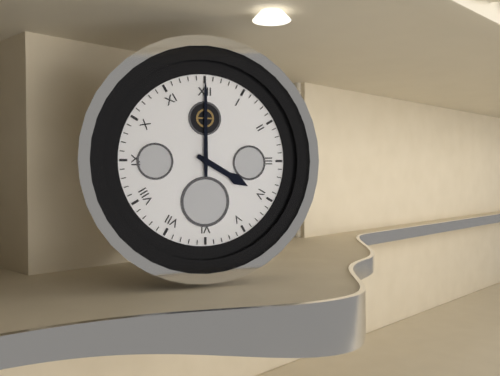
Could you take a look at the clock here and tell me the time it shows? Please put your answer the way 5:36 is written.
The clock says 4:00
